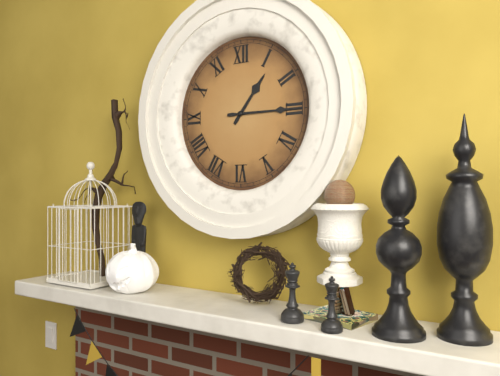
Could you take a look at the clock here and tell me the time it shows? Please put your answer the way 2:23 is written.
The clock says 1:15
